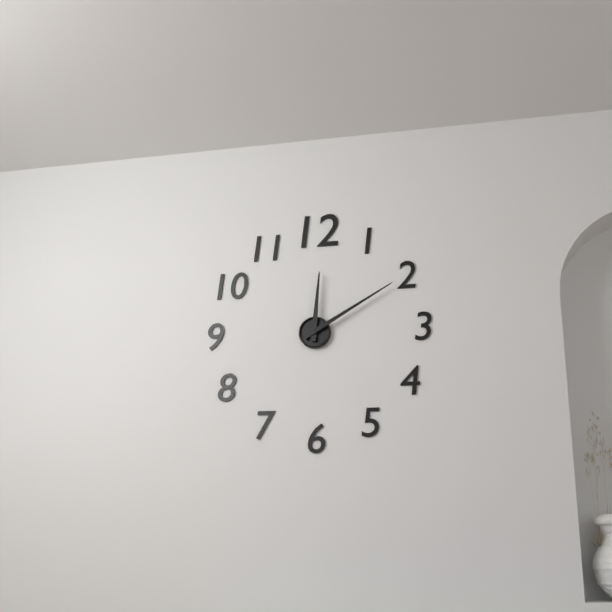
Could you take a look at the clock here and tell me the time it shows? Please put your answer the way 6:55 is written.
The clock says 12:10
